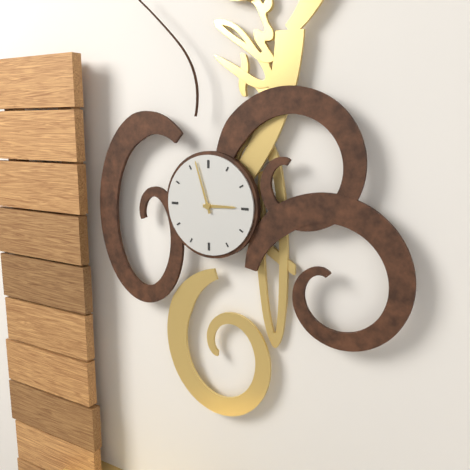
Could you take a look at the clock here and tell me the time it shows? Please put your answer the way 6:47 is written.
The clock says 2:57
